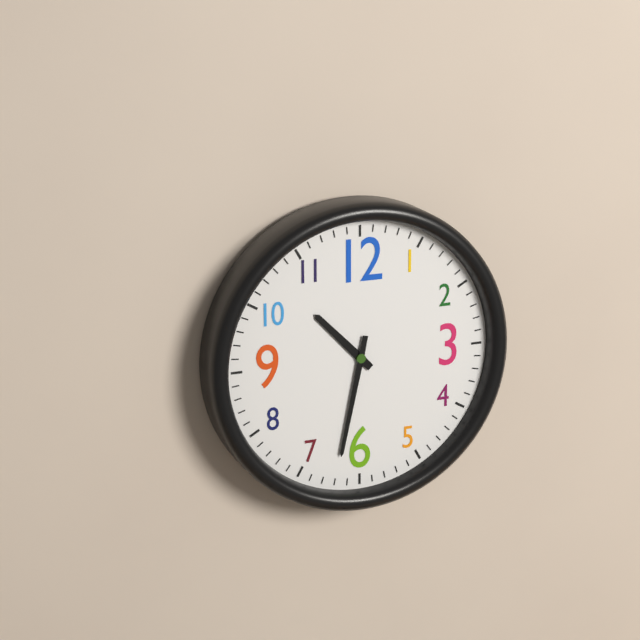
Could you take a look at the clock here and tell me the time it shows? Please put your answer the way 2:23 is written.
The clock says 10:32
